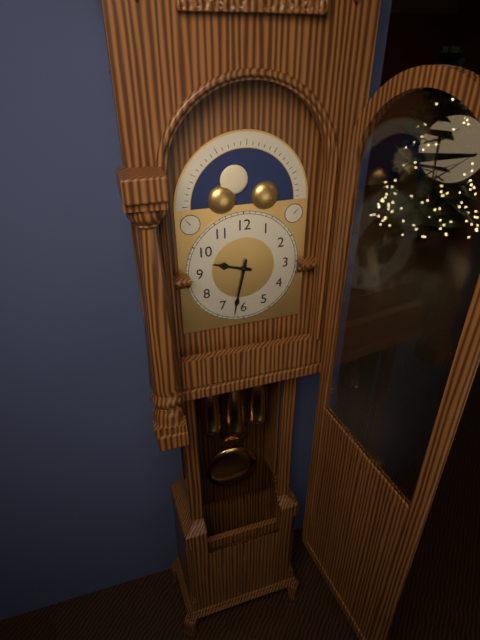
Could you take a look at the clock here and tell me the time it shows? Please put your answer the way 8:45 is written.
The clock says 9:32
